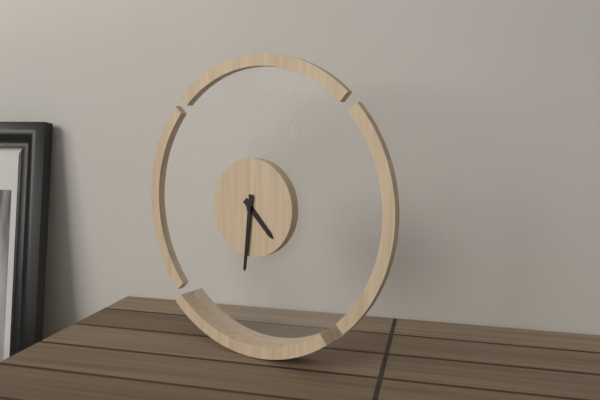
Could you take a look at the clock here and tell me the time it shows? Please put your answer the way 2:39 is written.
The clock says 4:31
